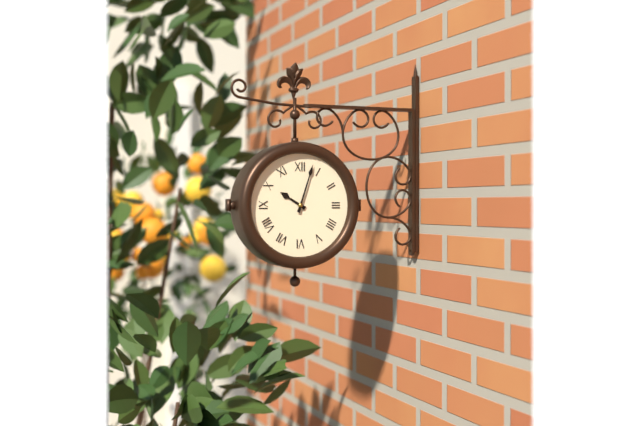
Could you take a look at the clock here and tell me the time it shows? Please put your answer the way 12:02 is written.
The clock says 10:03
